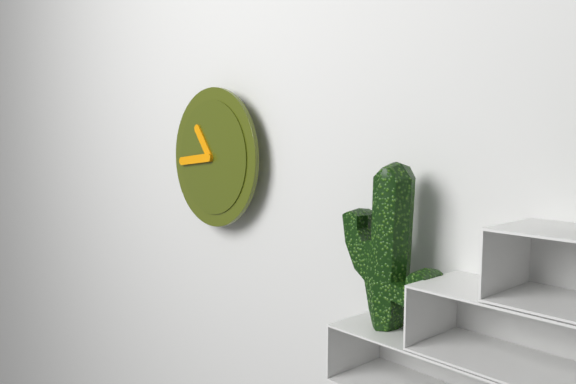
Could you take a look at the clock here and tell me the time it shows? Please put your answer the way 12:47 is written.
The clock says 10:44
